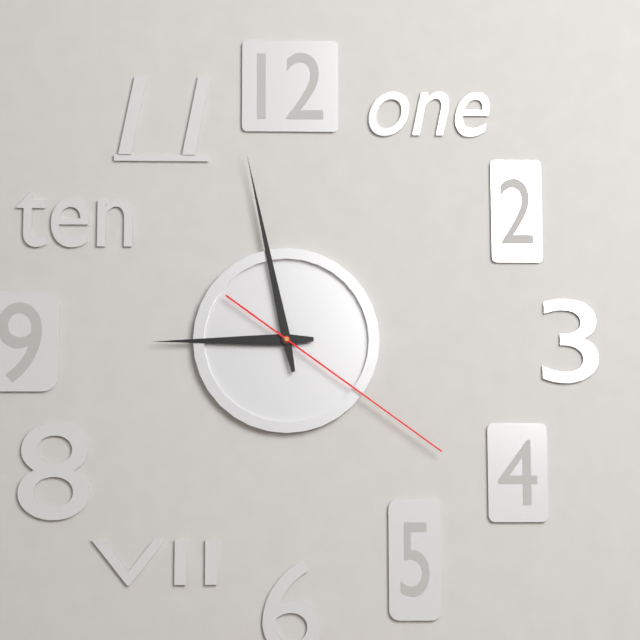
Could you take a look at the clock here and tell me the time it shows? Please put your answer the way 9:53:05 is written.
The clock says 8:58:21
